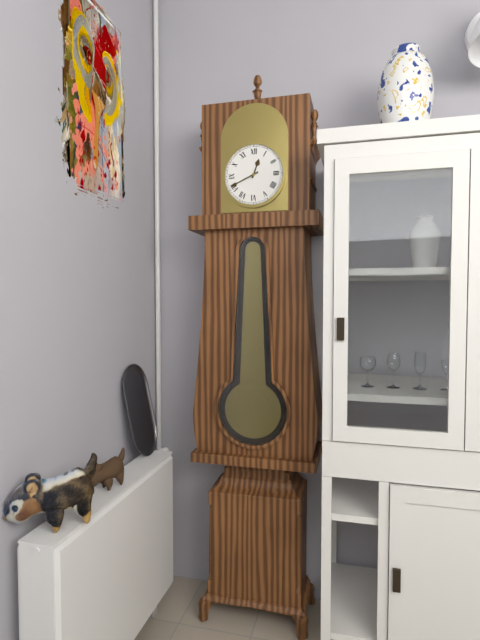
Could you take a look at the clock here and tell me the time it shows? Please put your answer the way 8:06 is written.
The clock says 12:41
